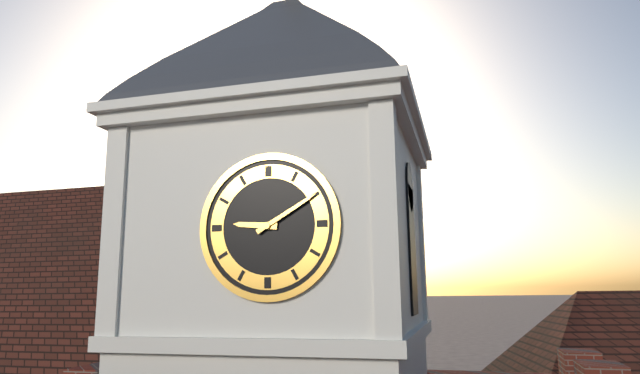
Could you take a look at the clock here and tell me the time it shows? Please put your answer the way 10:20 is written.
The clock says 9:10
